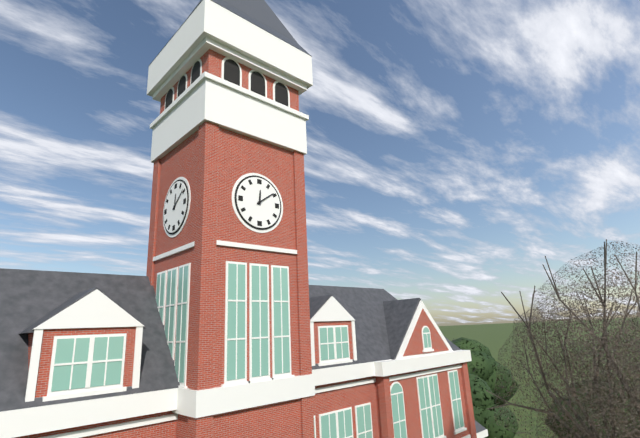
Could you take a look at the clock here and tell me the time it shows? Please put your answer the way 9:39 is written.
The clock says 12:09
